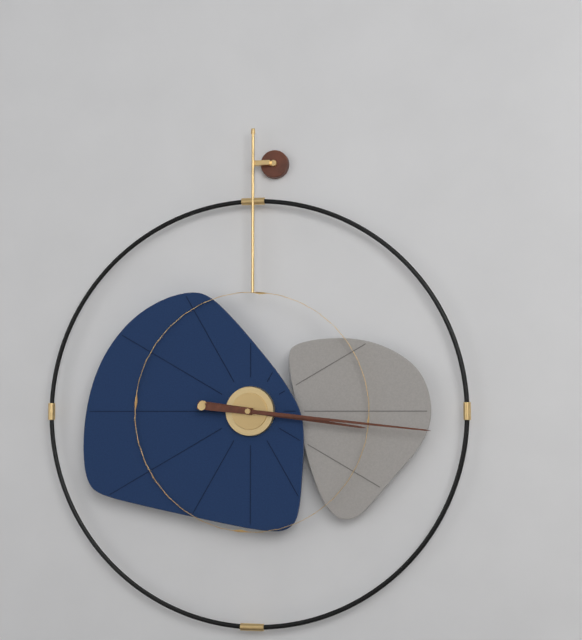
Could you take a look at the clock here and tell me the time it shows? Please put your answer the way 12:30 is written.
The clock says 3:16
